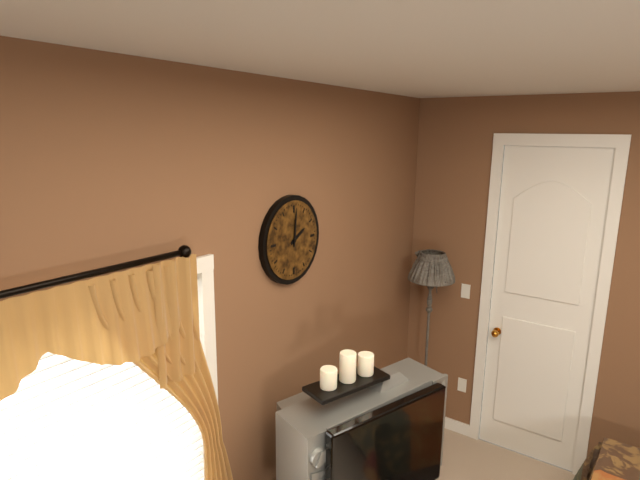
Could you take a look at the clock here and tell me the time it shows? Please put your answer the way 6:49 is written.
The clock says 2:01
